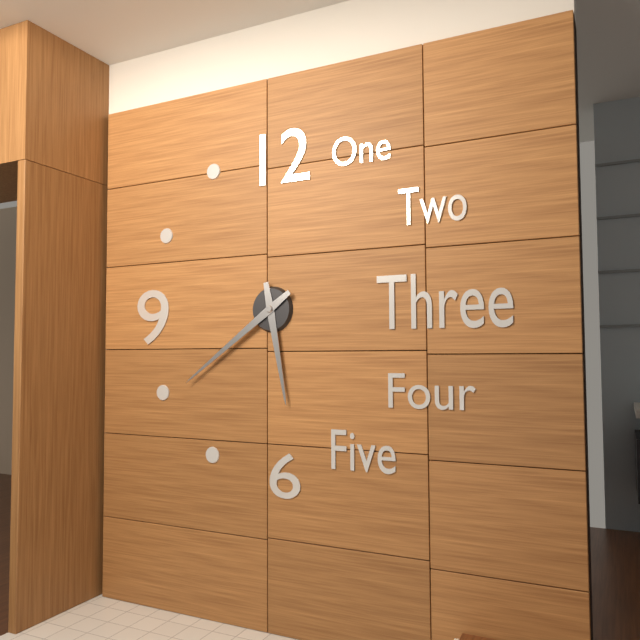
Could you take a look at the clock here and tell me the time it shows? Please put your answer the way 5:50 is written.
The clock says 5:39
